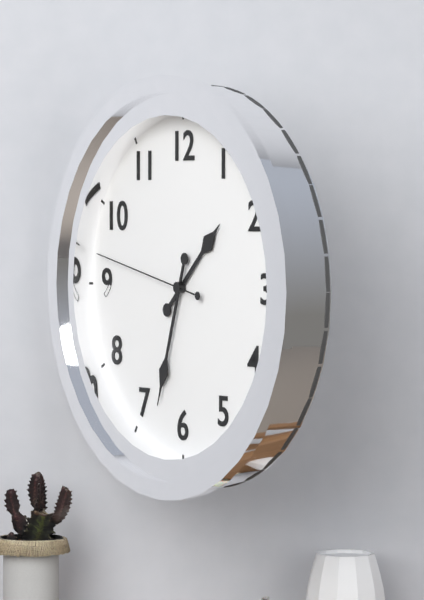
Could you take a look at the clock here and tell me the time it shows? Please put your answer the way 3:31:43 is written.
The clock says 1:33:47
